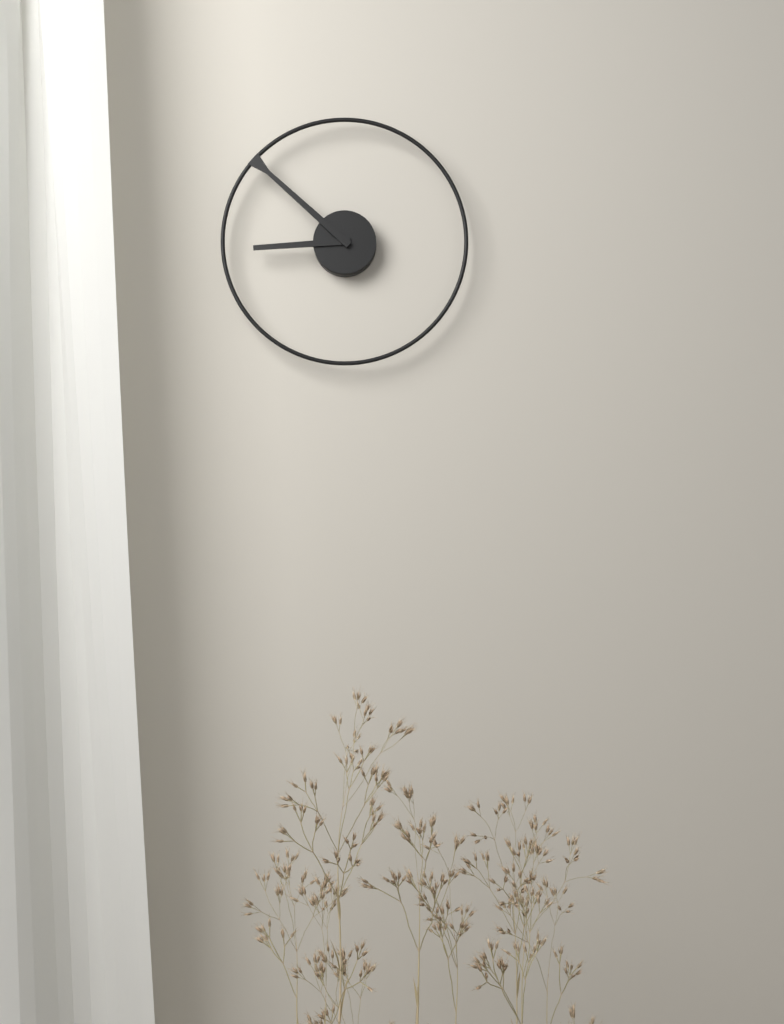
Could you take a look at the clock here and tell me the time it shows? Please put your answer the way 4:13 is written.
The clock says 8:52
